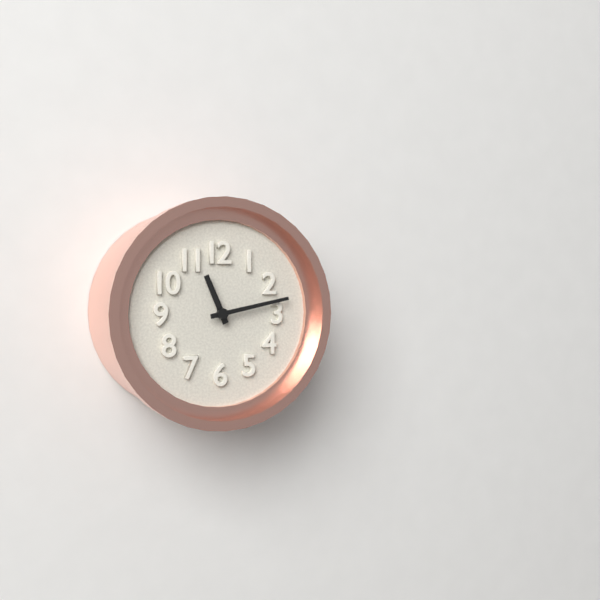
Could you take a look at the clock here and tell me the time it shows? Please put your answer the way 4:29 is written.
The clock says 11:13
